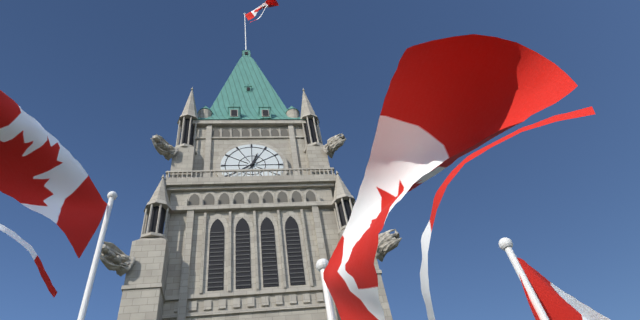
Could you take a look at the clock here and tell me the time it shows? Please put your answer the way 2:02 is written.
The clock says 12:39
